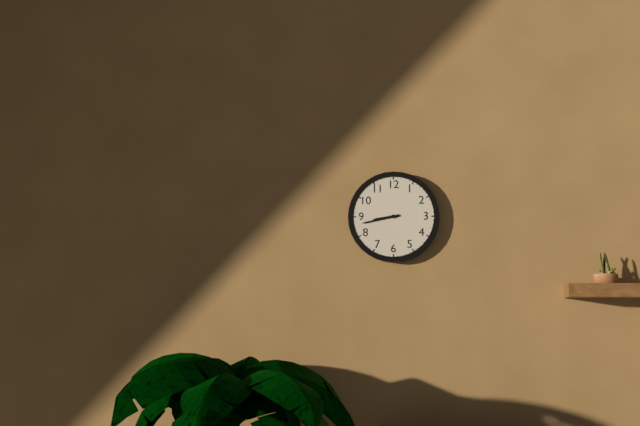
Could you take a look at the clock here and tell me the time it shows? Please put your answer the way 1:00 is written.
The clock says 8:43
